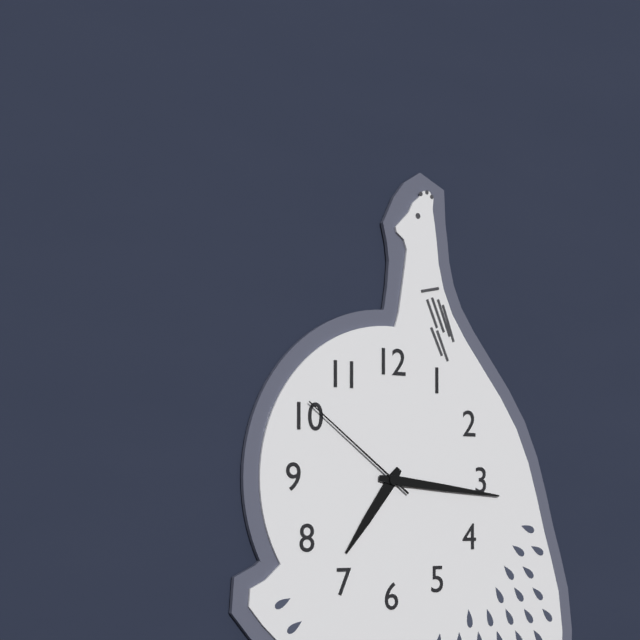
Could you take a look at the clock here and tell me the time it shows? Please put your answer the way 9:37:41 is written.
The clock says 7:16:51
